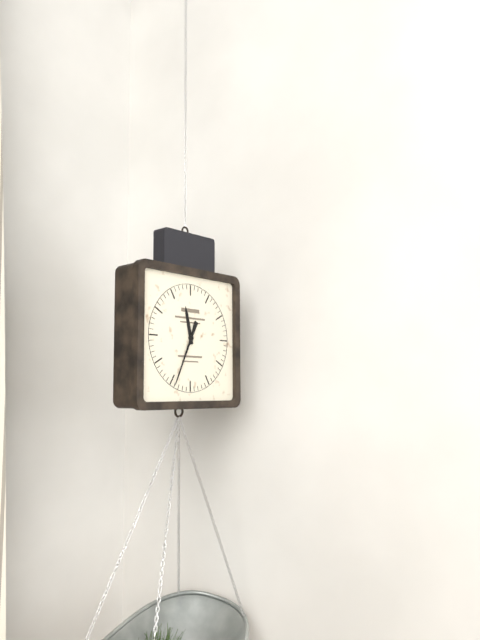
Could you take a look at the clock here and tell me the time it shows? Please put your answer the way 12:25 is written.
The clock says 11:34
